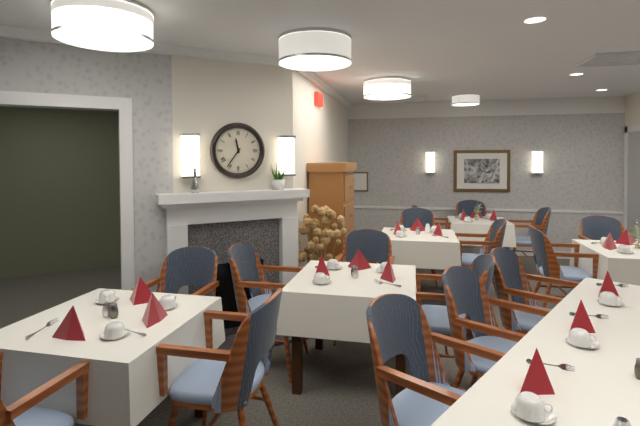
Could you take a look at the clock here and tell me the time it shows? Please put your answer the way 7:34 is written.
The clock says 11:36
